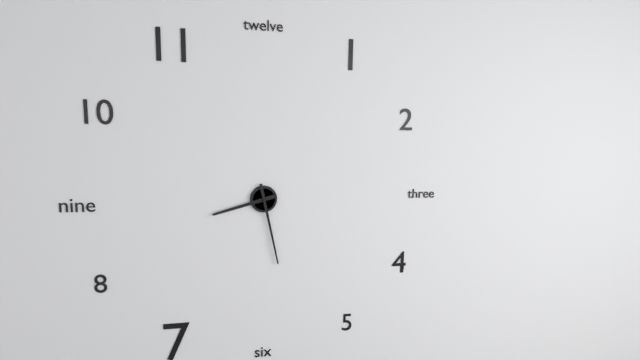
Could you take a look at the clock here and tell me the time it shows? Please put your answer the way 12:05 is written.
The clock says 8:28
